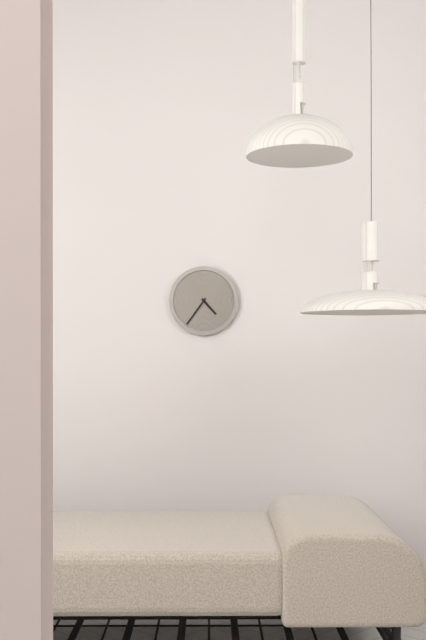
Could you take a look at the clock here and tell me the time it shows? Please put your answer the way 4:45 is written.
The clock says 4:36
